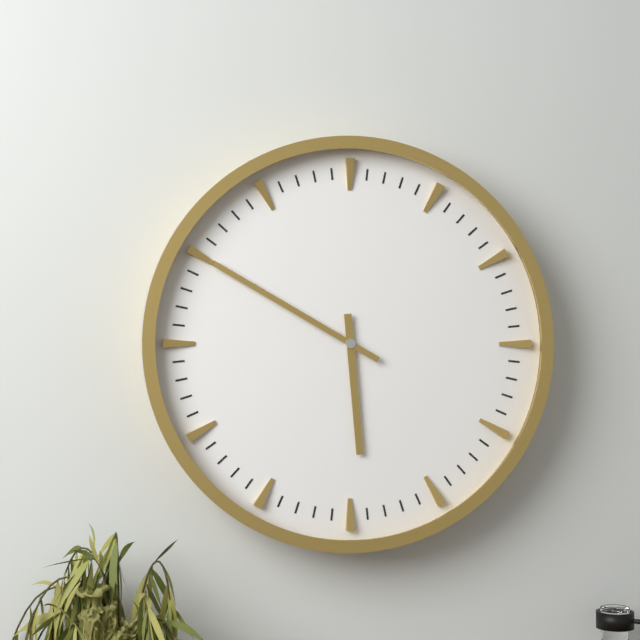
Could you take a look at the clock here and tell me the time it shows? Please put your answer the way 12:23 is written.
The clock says 5:50
